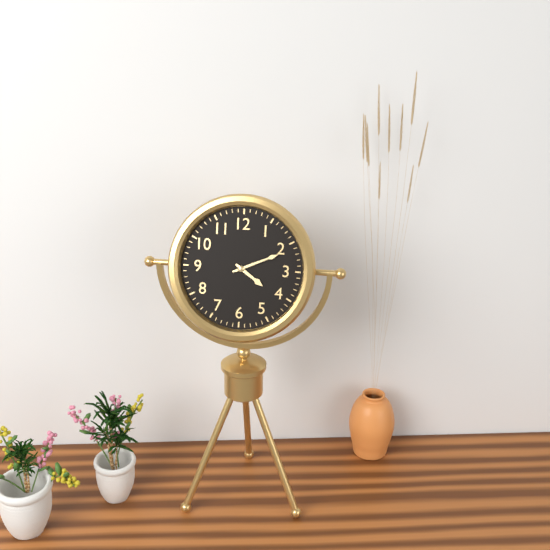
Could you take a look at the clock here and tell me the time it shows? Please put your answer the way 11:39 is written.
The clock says 4:11
